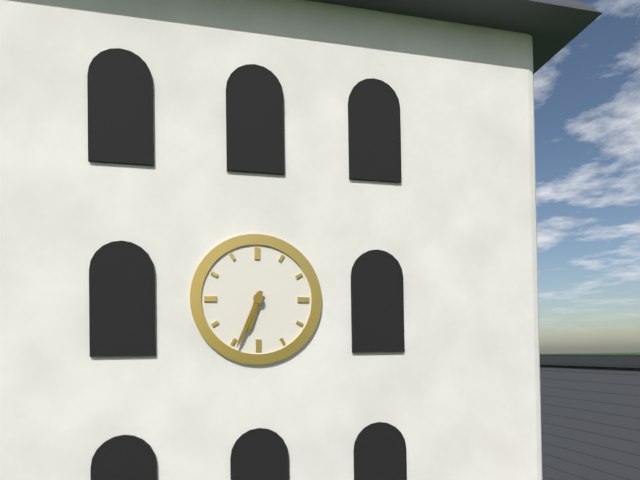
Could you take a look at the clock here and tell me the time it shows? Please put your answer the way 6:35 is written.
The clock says 6:34
